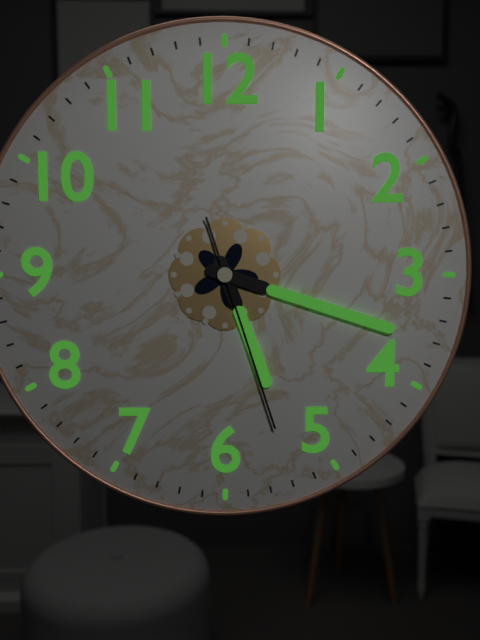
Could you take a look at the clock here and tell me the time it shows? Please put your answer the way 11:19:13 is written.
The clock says 5:18:27
